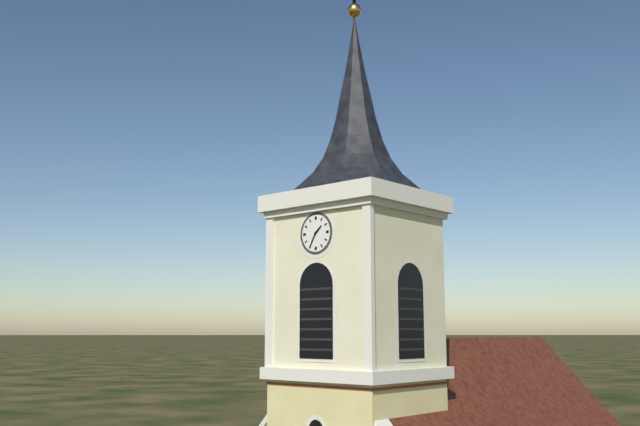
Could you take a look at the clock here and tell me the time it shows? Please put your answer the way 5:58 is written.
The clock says 1:35
